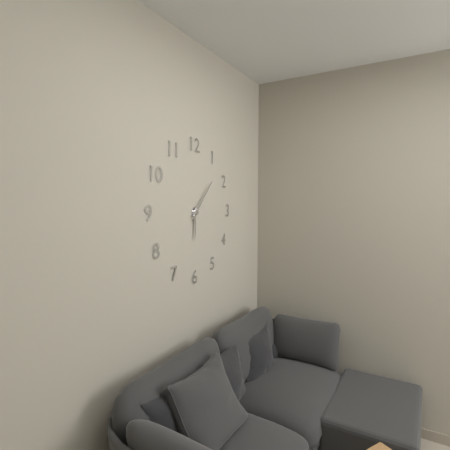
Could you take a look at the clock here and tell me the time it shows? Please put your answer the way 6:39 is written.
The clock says 6:07
